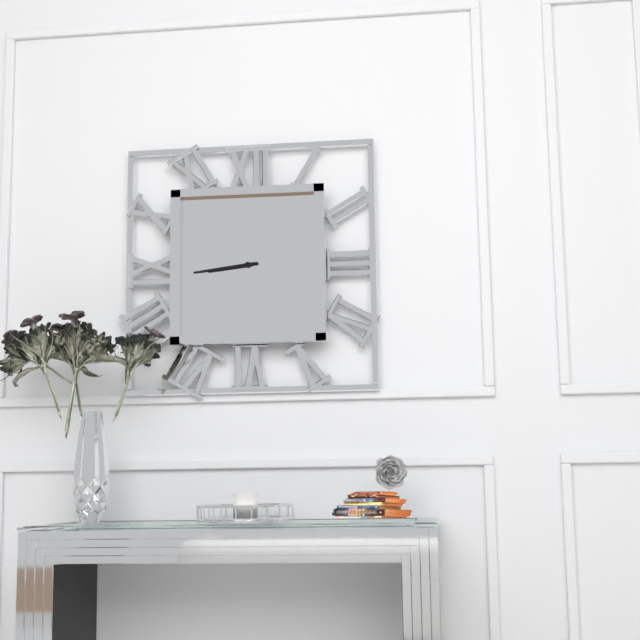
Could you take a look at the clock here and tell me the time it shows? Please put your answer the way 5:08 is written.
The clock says 8:44
